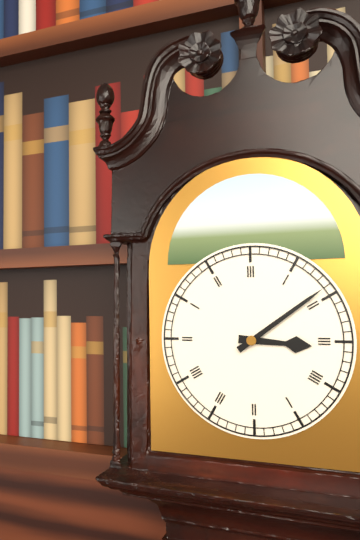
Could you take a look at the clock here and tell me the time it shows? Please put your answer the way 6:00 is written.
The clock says 3:09
